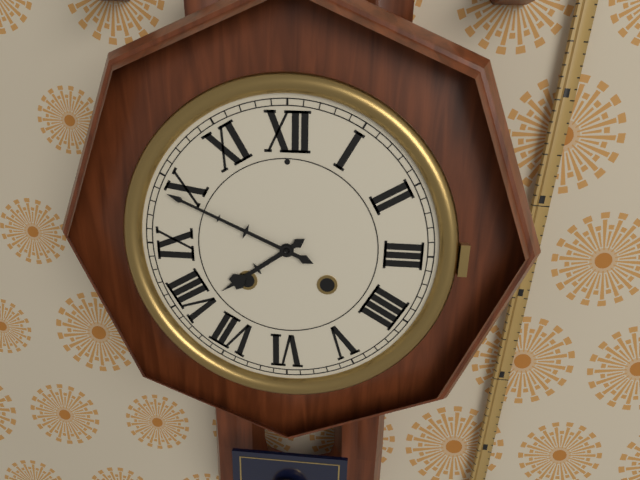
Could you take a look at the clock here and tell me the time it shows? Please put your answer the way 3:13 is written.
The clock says 7:49
